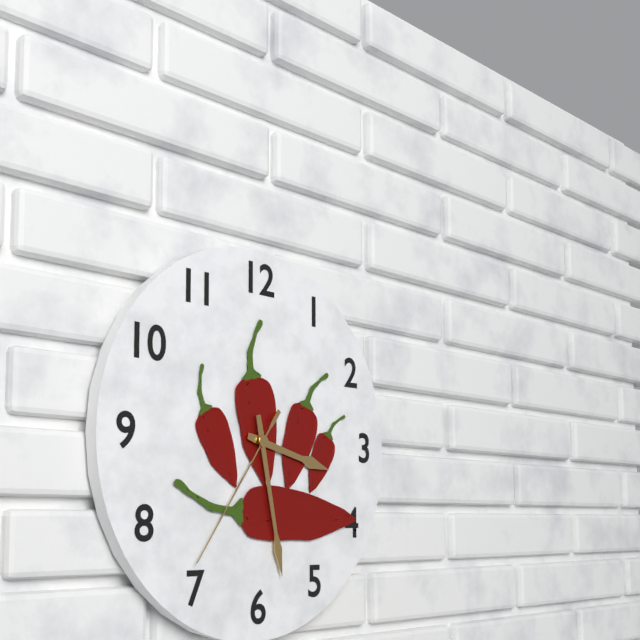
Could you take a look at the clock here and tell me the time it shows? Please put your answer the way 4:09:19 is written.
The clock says 3:28:36
